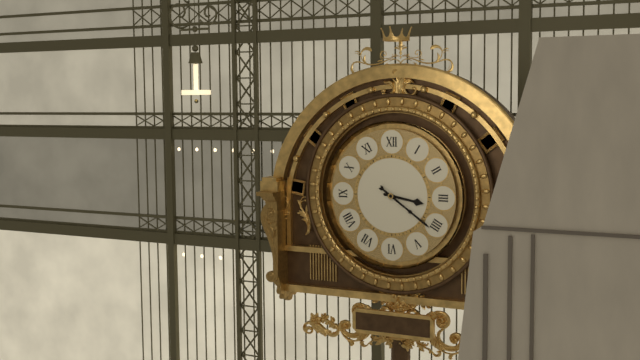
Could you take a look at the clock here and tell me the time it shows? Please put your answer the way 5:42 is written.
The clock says 3:21
